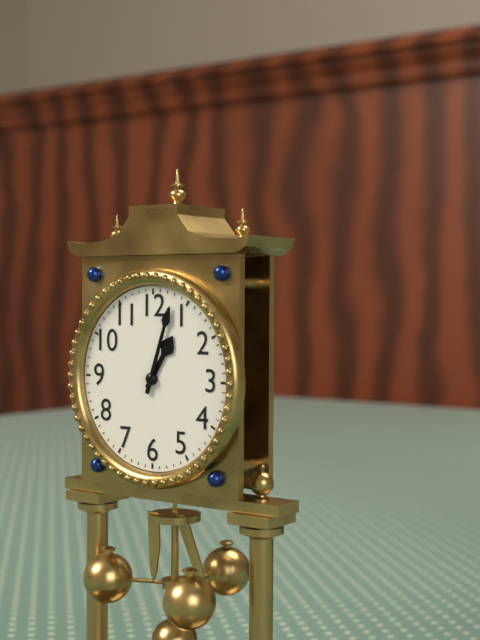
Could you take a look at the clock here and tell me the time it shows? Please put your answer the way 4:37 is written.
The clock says 1:03
